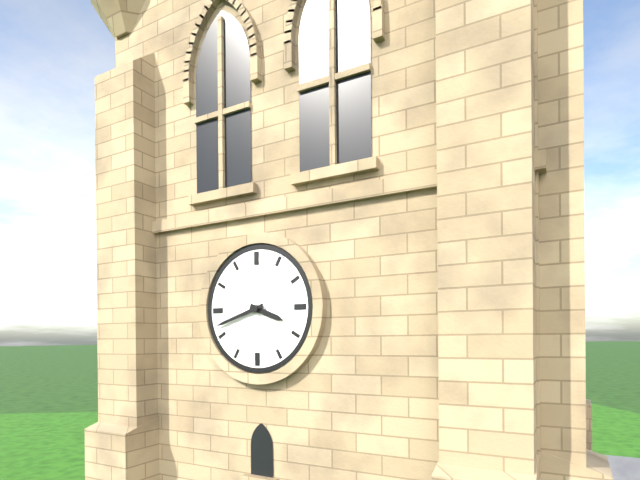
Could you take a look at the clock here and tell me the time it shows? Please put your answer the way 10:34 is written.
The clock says 3:42
